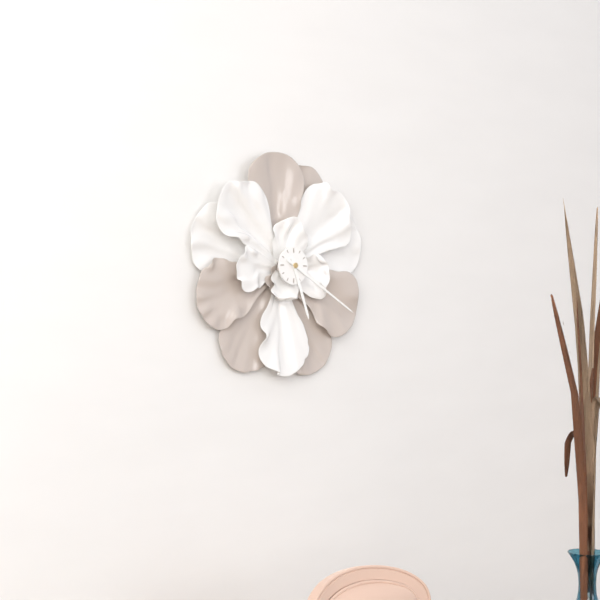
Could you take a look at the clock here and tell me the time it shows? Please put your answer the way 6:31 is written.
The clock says 5:20
